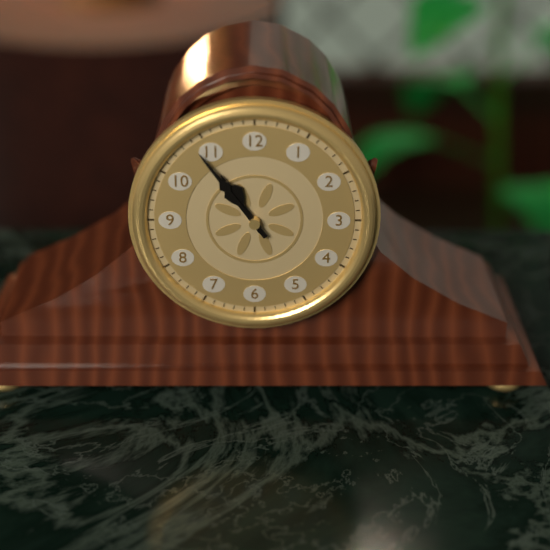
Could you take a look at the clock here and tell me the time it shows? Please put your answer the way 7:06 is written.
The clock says 10:54
